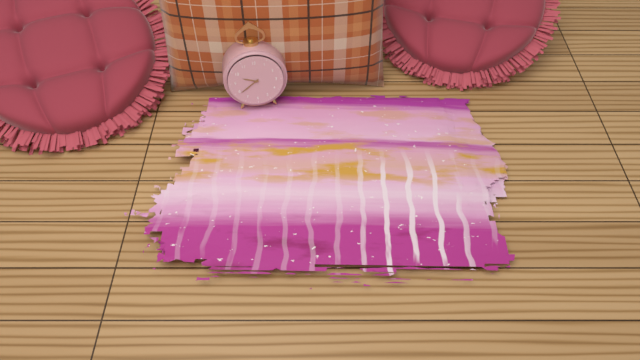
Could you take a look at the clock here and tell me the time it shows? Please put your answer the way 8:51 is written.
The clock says 9:39
